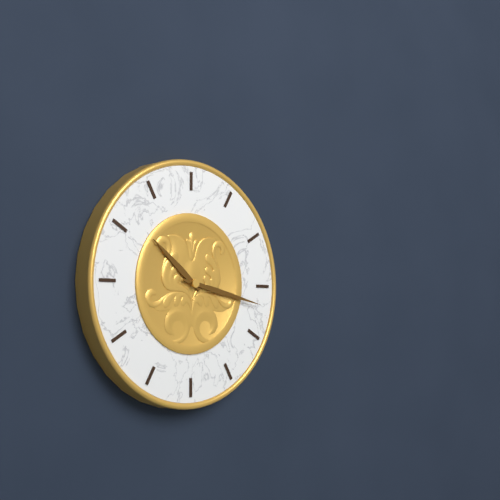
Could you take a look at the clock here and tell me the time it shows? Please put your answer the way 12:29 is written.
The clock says 10:17
